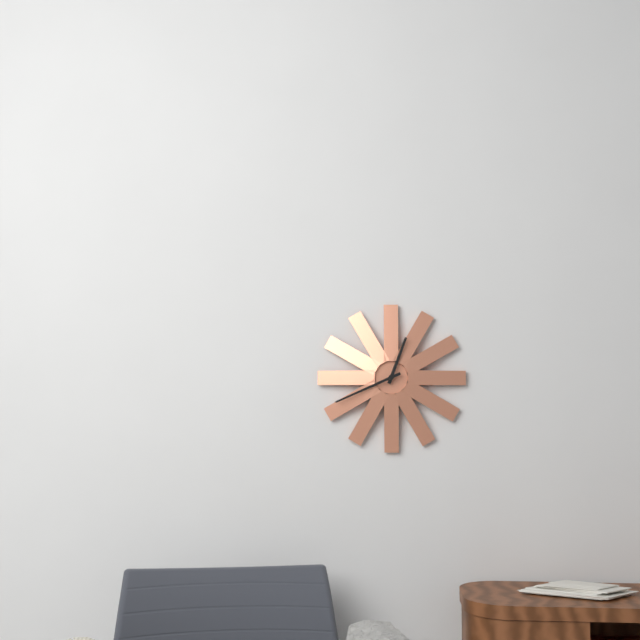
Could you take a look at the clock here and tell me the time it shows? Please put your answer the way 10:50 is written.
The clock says 12:41
